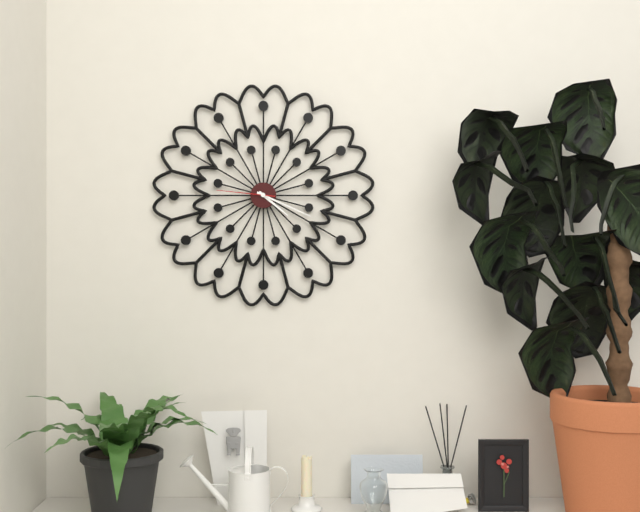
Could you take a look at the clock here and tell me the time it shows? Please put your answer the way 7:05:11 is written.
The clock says 4:19:46
